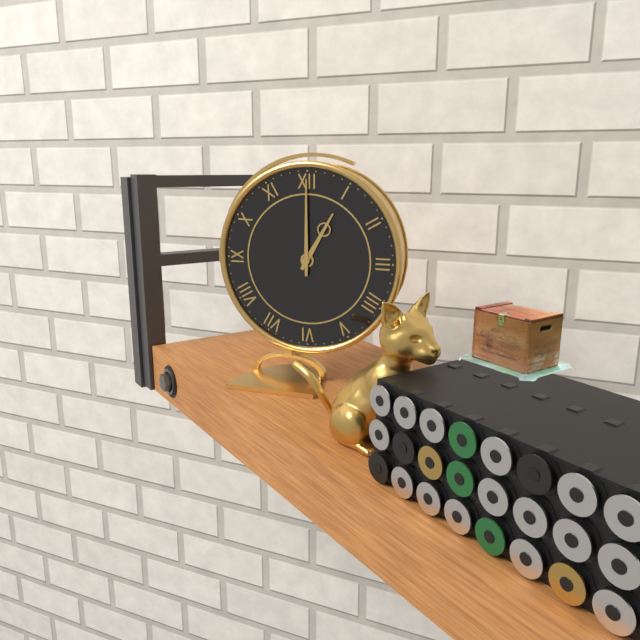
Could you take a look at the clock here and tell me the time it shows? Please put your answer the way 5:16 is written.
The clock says 1:00
